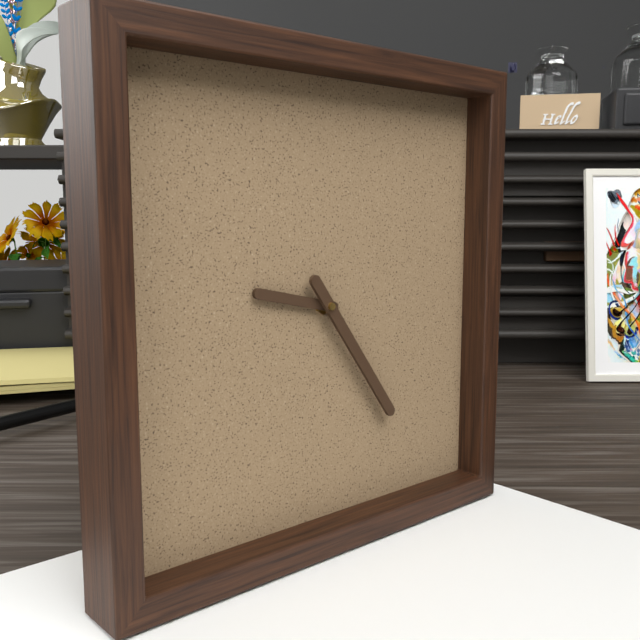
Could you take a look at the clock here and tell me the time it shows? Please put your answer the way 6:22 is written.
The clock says 9:24
